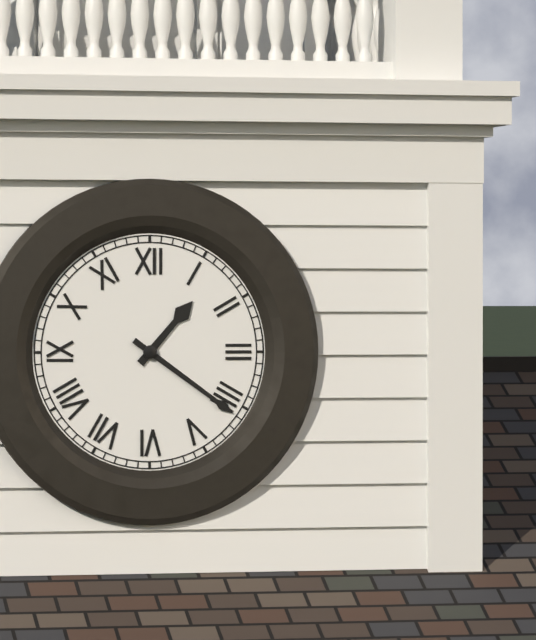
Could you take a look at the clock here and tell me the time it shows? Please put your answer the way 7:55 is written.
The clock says 1:21
